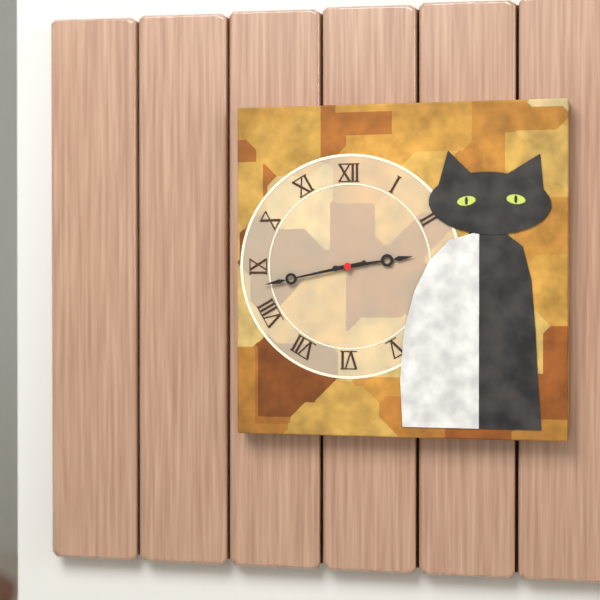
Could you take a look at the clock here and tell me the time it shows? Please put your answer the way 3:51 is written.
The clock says 2:43
